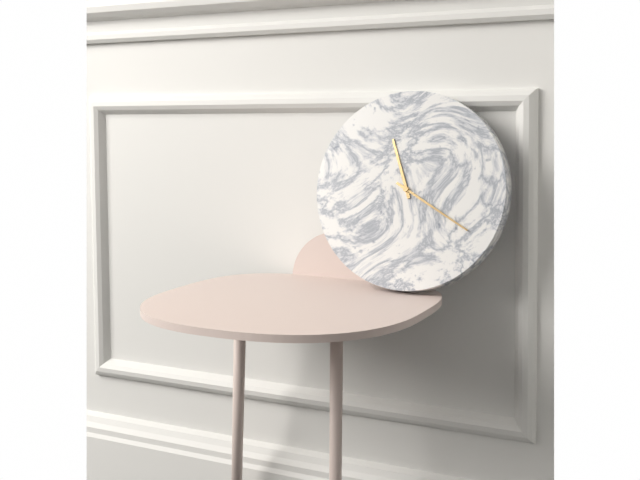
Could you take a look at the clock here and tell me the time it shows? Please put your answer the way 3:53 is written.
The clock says 11:20
